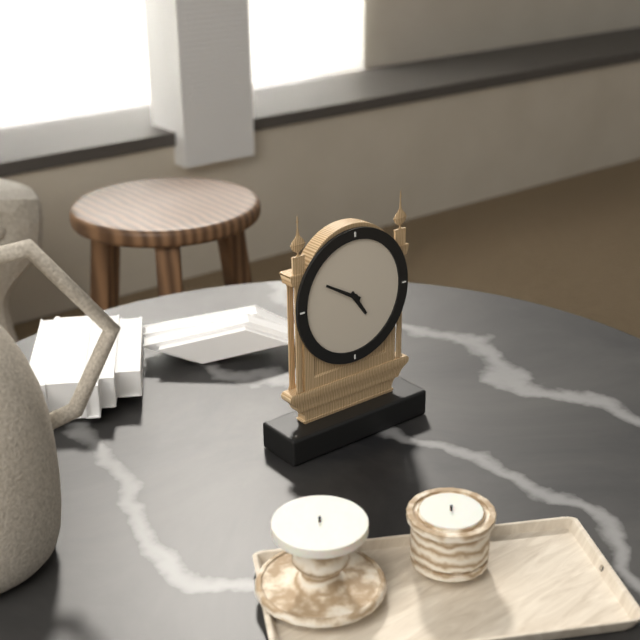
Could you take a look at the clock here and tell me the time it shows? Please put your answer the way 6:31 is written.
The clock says 4:50
